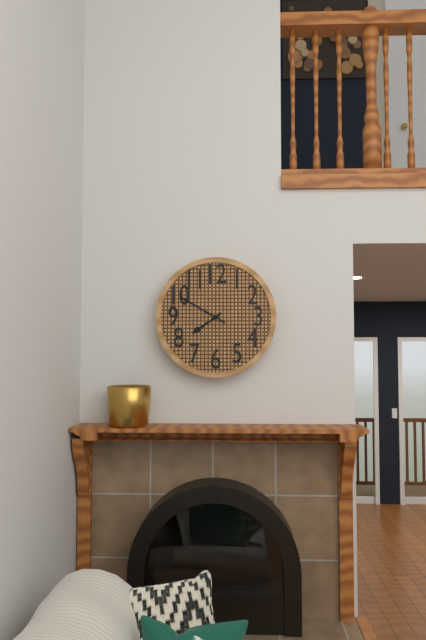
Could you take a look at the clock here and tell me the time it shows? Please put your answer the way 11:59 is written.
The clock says 7:50
